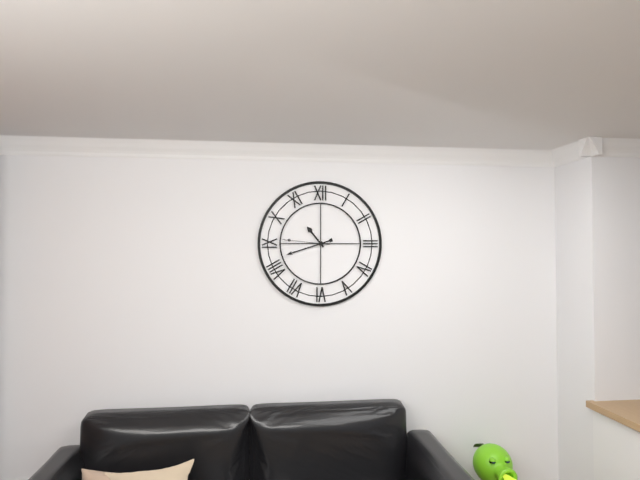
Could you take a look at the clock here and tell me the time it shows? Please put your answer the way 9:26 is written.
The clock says 10:42
